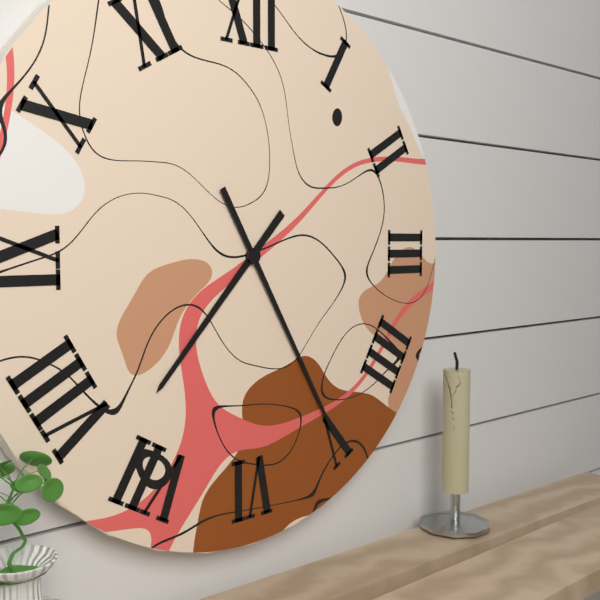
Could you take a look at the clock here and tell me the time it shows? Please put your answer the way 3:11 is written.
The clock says 7:25
